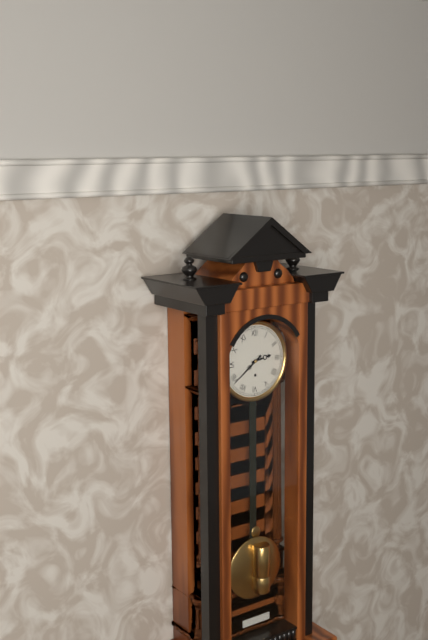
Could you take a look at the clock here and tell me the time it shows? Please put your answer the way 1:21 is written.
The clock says 2:39
